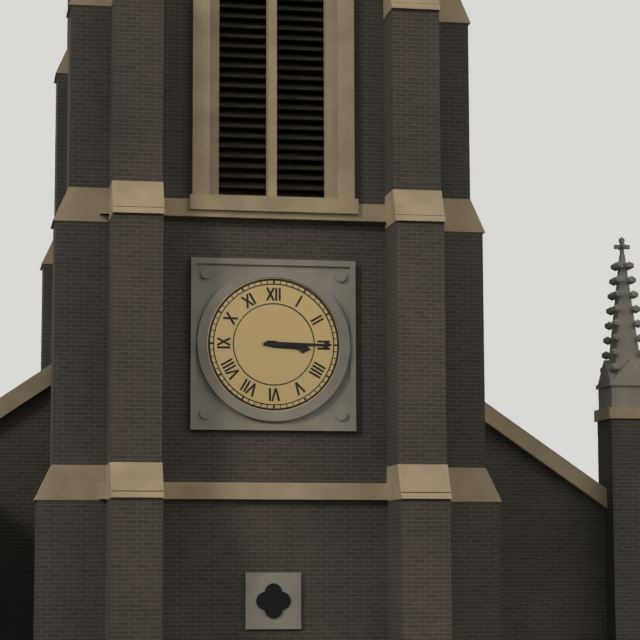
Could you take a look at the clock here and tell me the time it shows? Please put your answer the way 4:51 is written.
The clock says 3:15
